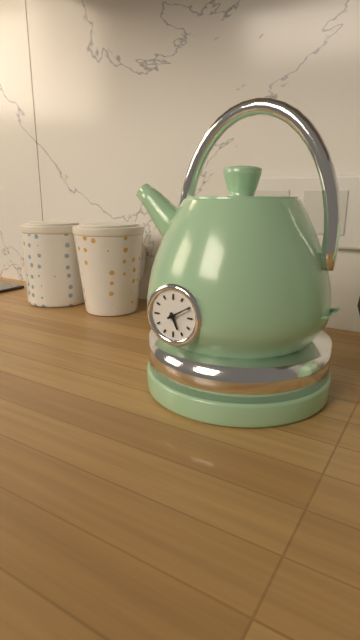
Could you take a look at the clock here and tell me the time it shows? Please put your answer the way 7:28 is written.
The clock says 5:10
